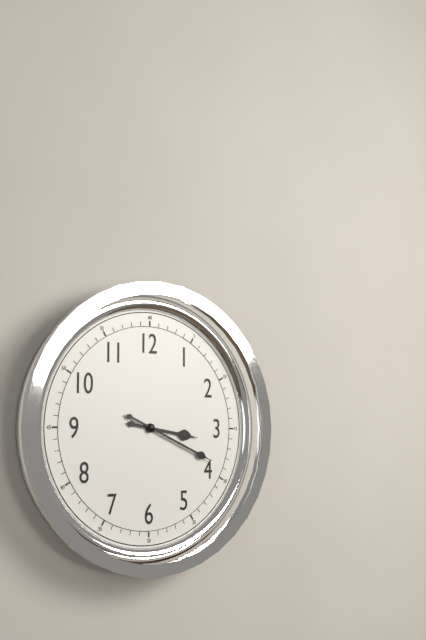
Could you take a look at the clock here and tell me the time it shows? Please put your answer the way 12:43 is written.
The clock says 3:19
